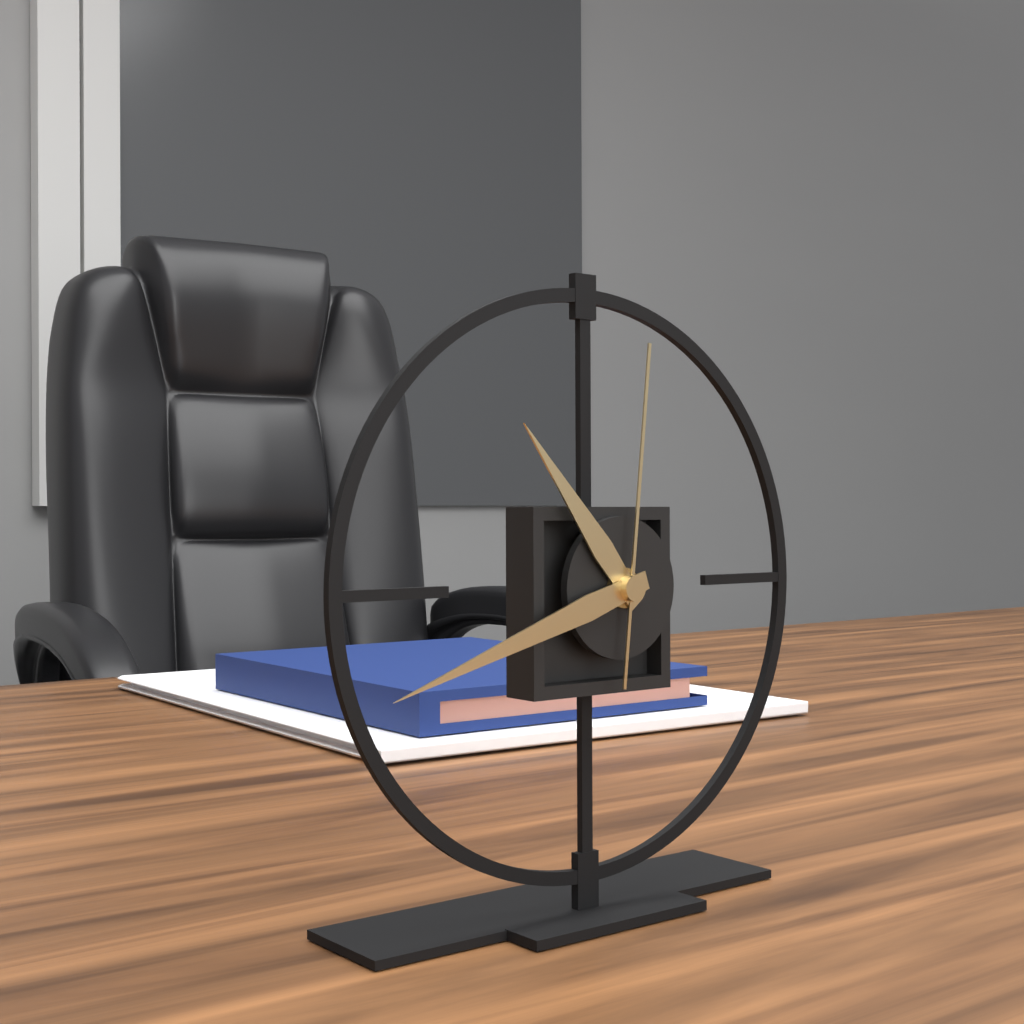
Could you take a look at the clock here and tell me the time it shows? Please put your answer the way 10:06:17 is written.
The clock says 10:42:01
